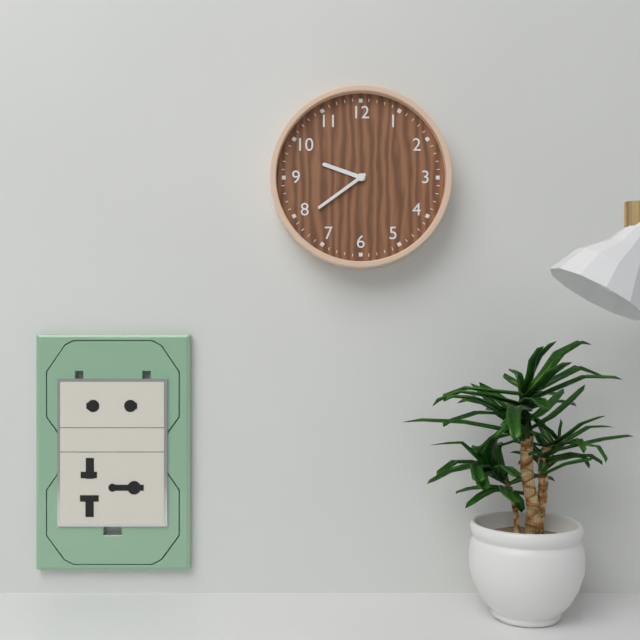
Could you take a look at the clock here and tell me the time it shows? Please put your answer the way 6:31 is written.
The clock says 9:39
